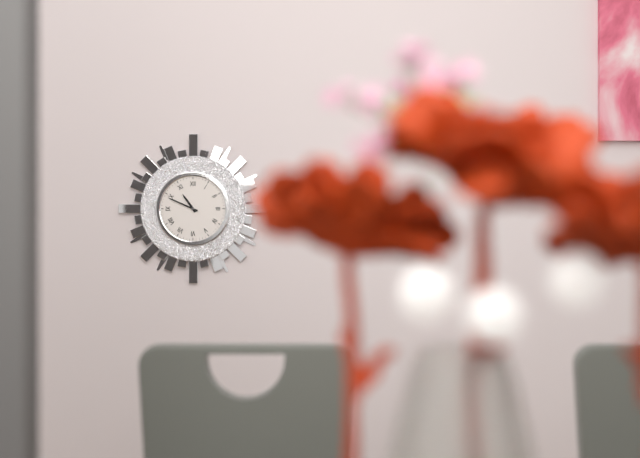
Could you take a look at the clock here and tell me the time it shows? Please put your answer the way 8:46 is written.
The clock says 10:49
